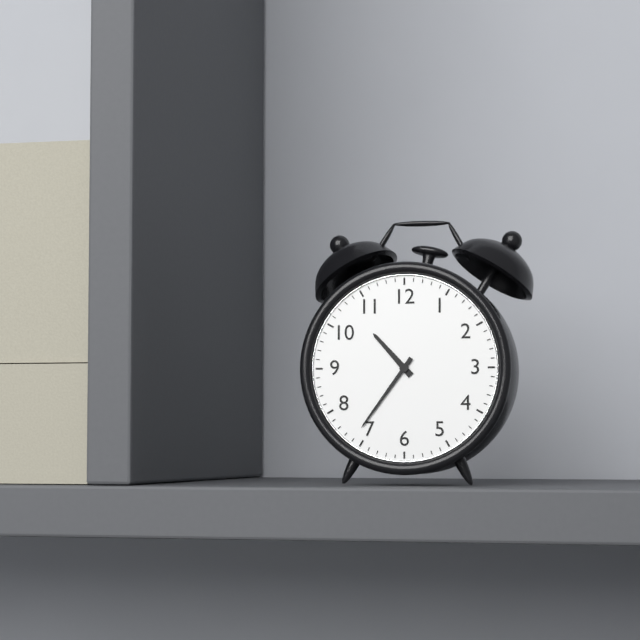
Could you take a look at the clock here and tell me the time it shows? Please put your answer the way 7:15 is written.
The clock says 10:36
